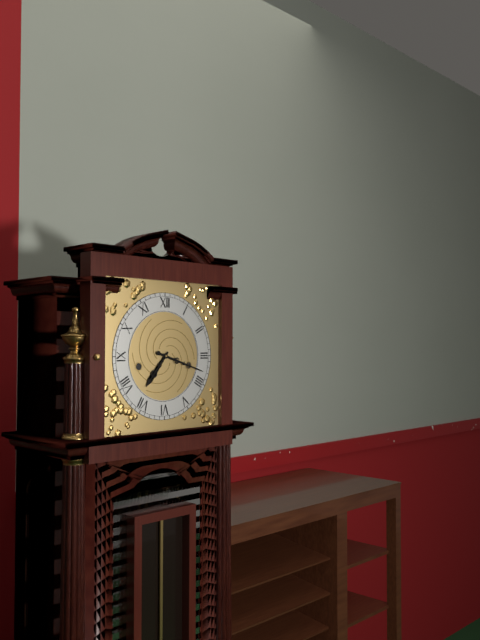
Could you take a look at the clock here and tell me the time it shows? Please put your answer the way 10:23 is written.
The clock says 7:18
